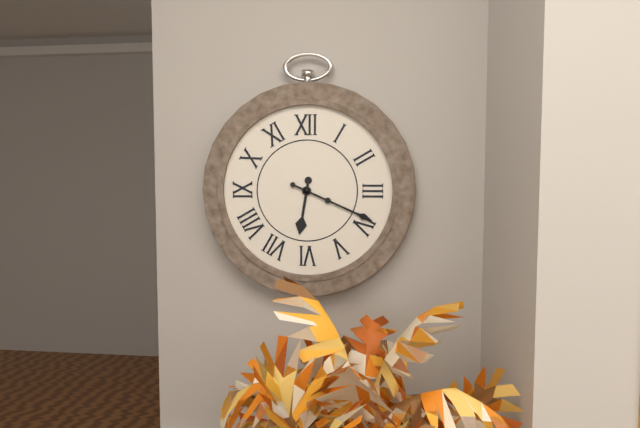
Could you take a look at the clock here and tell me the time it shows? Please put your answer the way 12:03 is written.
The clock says 6:19
